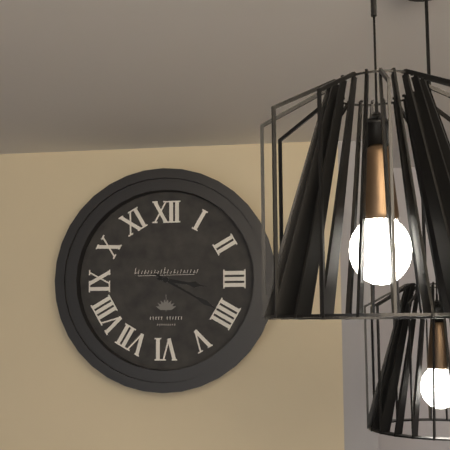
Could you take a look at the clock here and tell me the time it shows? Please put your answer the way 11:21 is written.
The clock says 3:20
